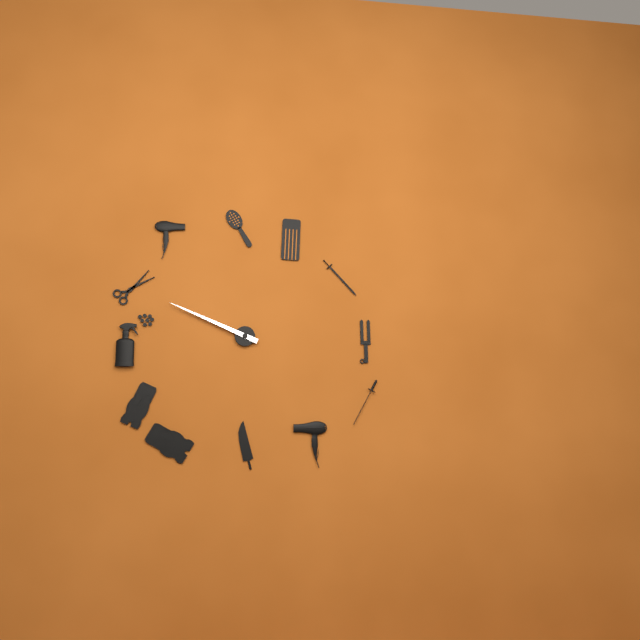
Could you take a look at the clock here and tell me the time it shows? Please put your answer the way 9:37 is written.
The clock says 9:49
